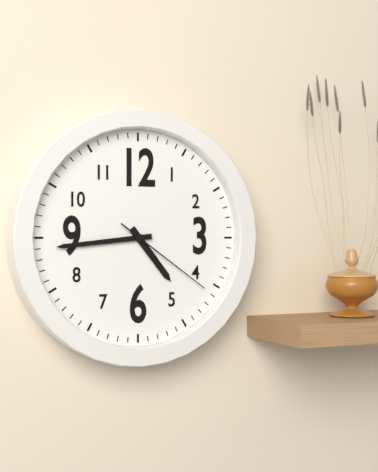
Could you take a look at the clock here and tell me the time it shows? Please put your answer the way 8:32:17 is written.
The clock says 4:44:21
